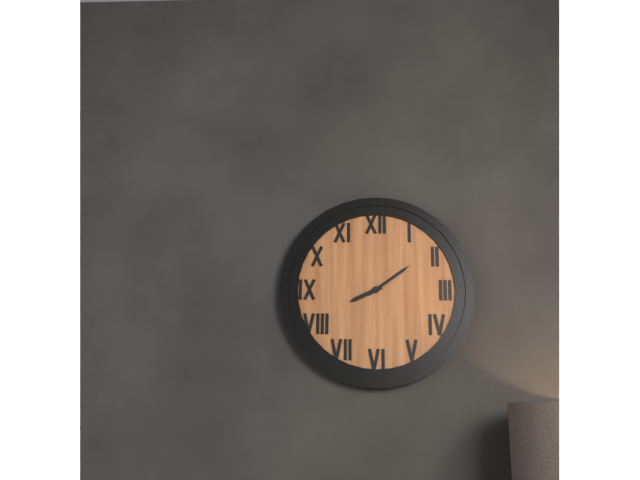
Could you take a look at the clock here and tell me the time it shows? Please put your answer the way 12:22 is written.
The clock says 8:09
